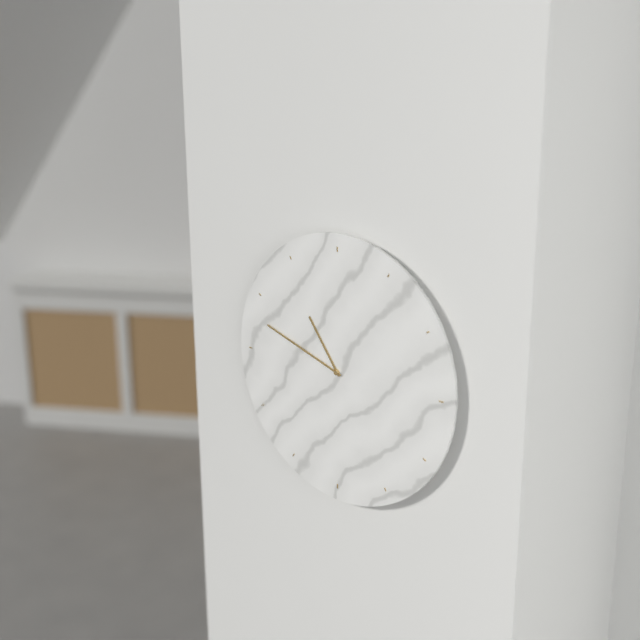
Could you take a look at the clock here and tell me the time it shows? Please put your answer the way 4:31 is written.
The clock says 10:48
